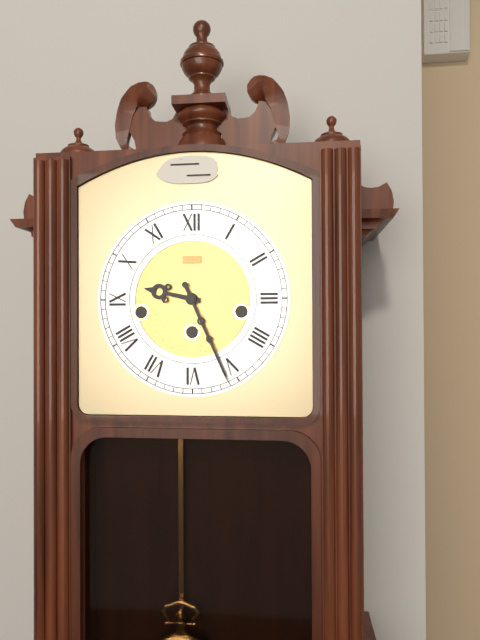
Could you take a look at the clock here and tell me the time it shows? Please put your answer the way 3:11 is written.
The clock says 9:26
